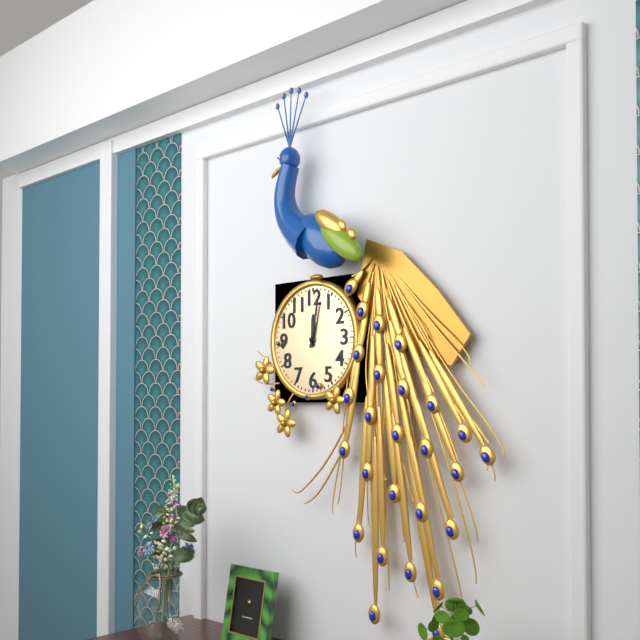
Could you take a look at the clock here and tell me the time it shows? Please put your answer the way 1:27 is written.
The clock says 12:02
